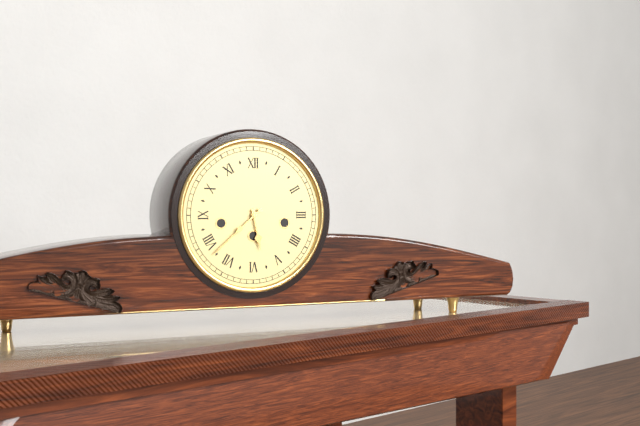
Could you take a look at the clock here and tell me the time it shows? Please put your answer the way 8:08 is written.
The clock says 5:38
